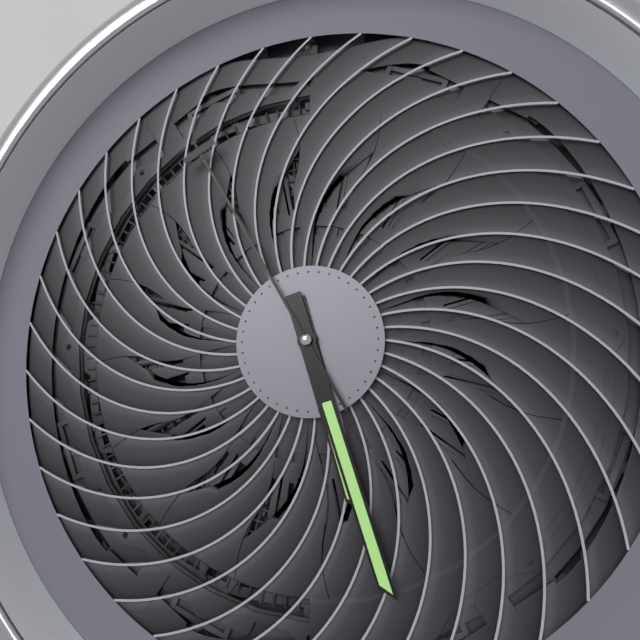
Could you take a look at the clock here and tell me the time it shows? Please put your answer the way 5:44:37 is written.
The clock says 5:27:55
